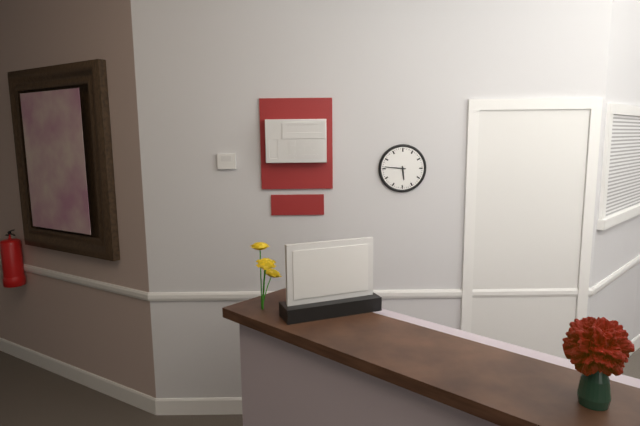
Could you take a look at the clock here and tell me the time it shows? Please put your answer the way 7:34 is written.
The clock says 5:46
